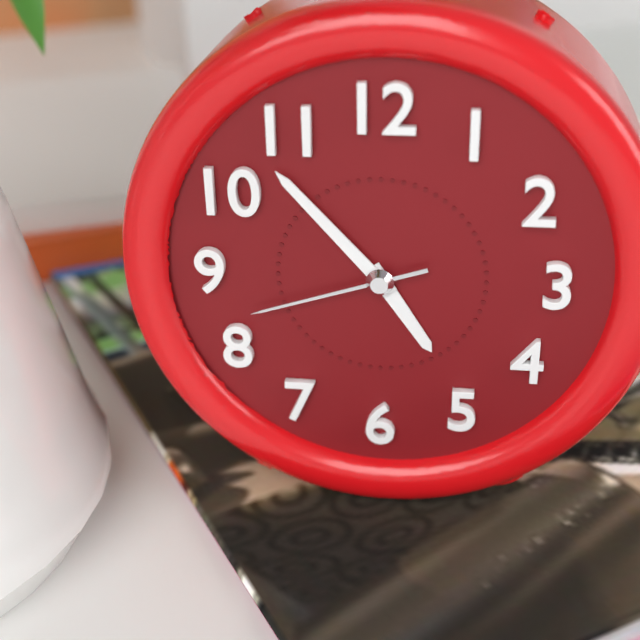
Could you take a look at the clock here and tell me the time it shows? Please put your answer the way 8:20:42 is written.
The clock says 4:53:42
